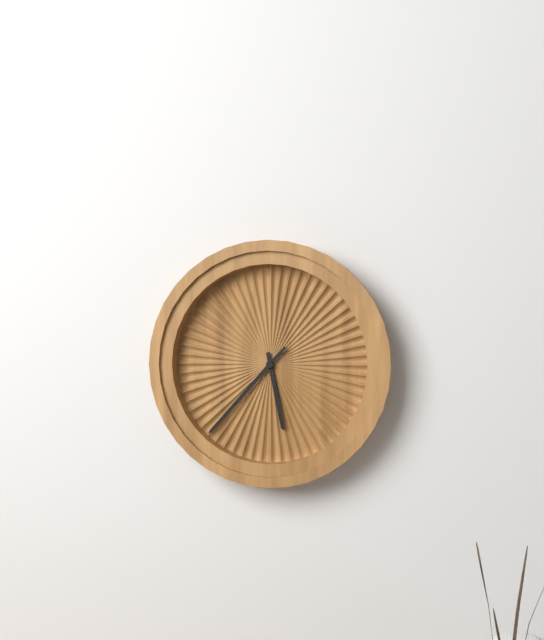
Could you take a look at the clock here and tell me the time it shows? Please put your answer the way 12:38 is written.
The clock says 5:37
